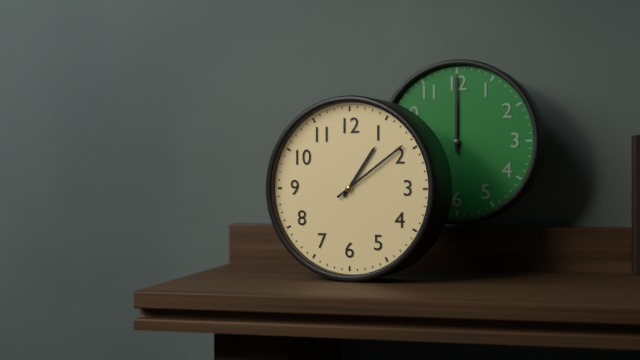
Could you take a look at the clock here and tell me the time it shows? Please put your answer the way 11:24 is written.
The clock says 1:09
